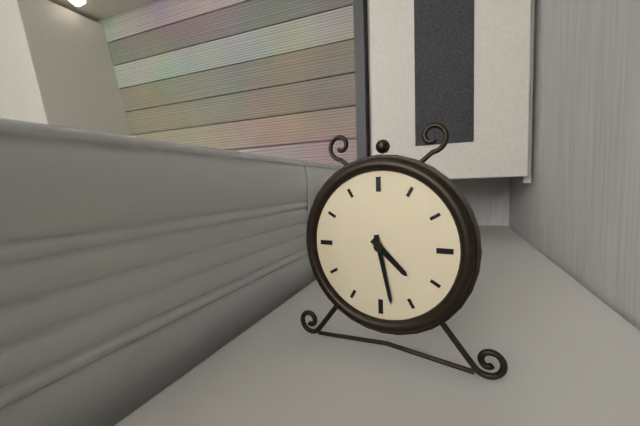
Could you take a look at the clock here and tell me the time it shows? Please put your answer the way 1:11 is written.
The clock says 4:28
